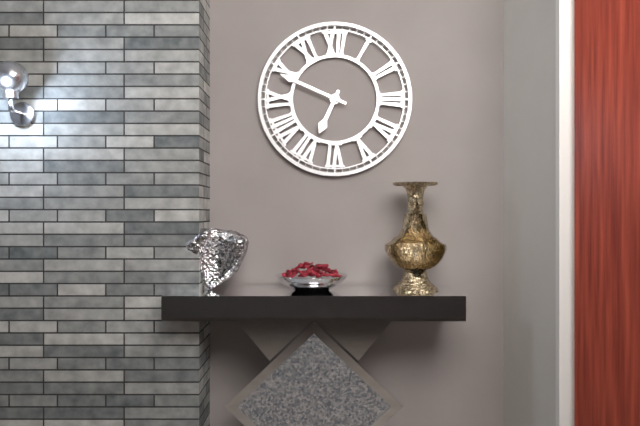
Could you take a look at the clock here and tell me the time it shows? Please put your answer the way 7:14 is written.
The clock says 6:49
